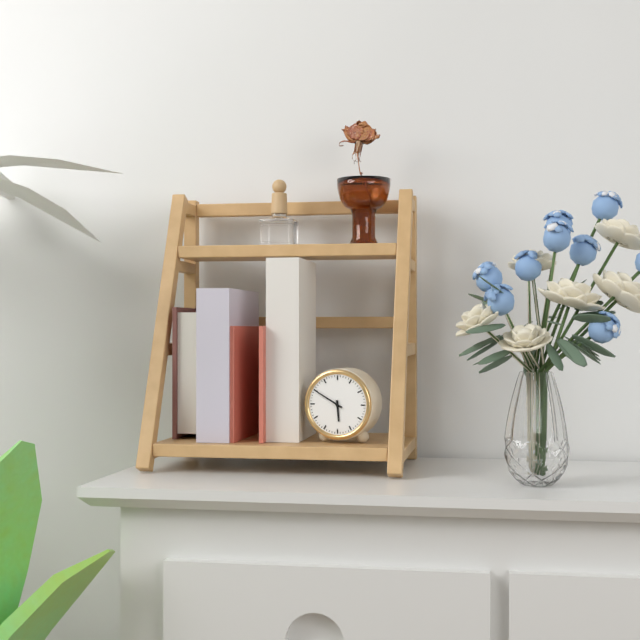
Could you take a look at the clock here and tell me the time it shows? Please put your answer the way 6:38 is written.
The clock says 5:50
